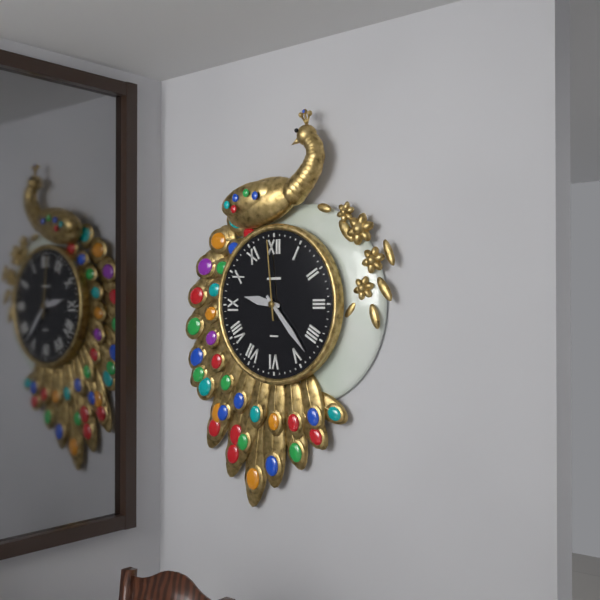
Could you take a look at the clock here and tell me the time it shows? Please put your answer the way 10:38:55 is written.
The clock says 9:23:59
